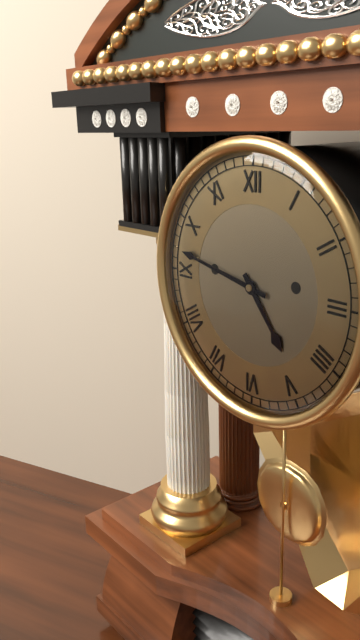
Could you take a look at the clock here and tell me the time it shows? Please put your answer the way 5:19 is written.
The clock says 4:47
